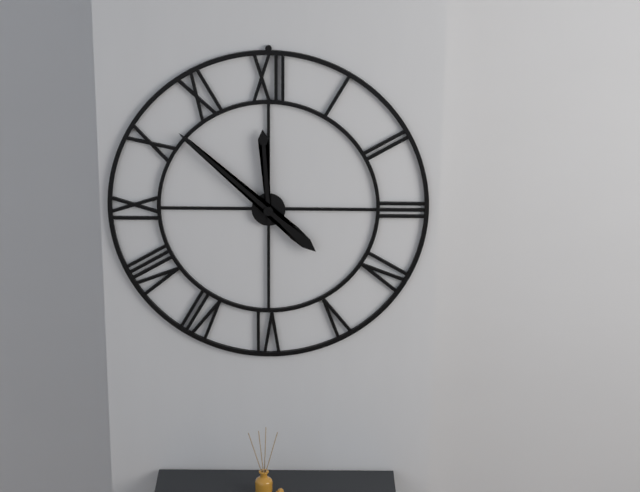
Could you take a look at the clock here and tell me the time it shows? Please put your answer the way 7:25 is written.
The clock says 11:52
